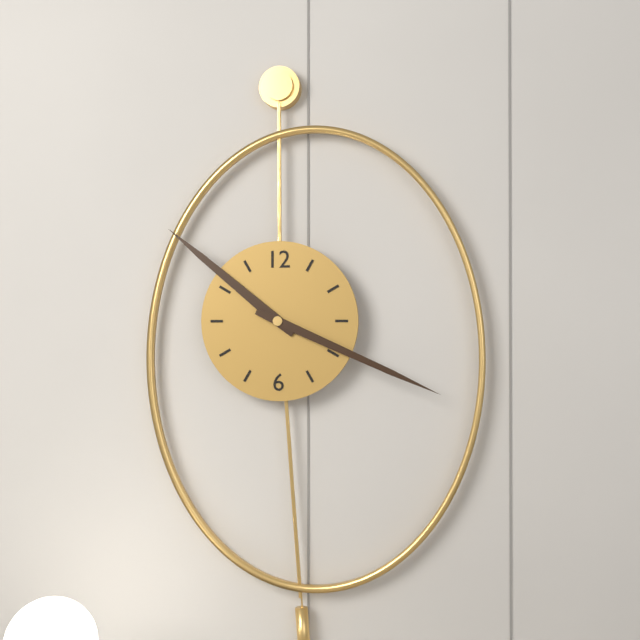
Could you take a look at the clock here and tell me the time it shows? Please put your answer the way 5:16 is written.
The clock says 10:19
